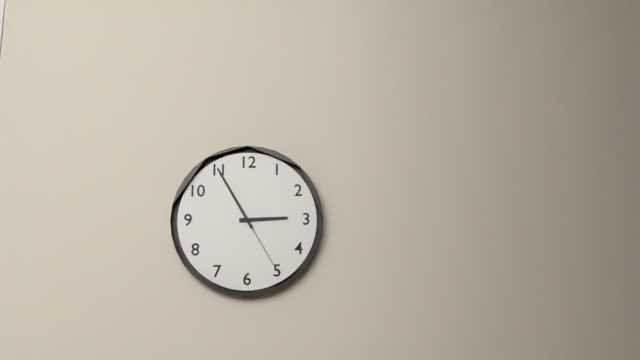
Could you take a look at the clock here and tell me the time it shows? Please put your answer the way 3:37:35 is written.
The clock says 2:55:25
